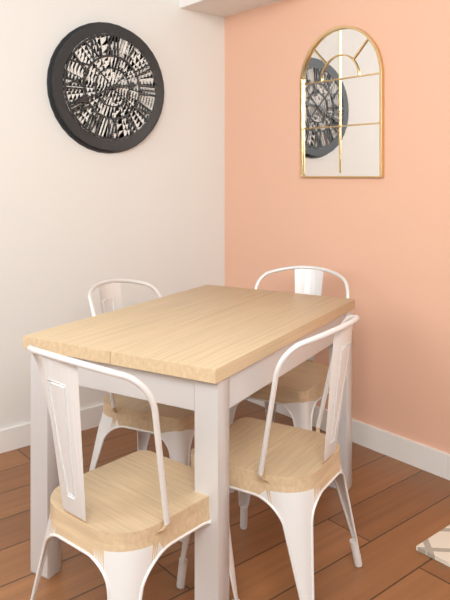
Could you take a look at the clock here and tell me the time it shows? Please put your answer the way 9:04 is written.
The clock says 2:41
